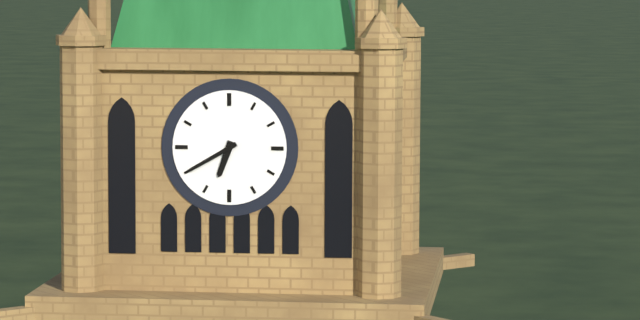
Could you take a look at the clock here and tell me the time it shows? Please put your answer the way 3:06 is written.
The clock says 6:40
